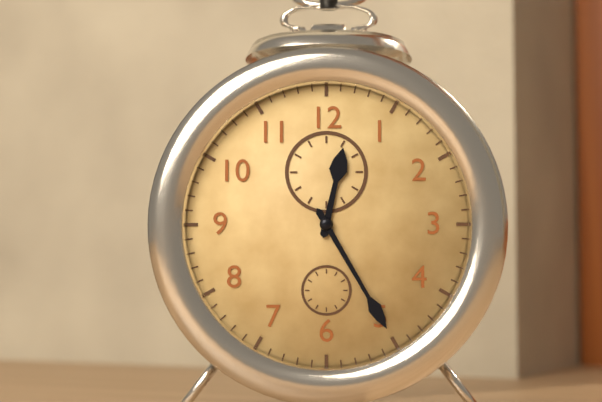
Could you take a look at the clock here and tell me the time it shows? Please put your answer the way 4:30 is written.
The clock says 12:25
